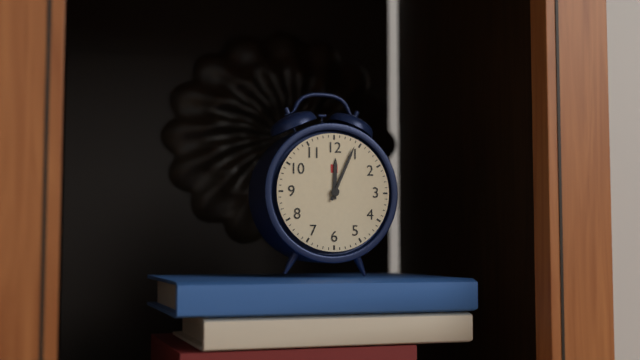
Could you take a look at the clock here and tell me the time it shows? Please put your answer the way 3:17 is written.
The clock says 12:04
